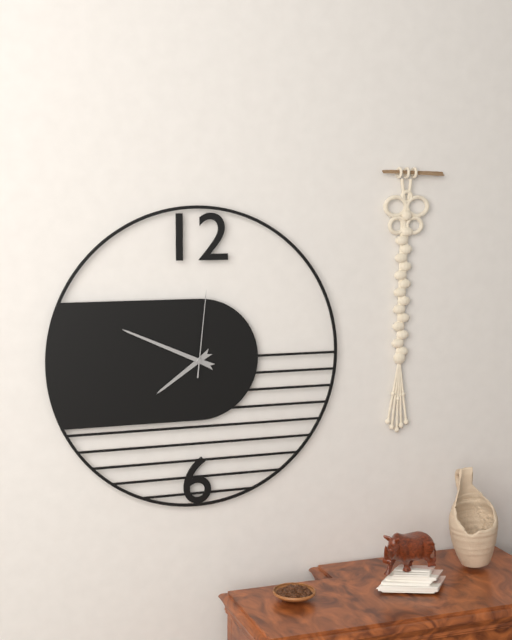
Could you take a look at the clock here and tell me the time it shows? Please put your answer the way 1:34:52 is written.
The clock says 7:49:01
